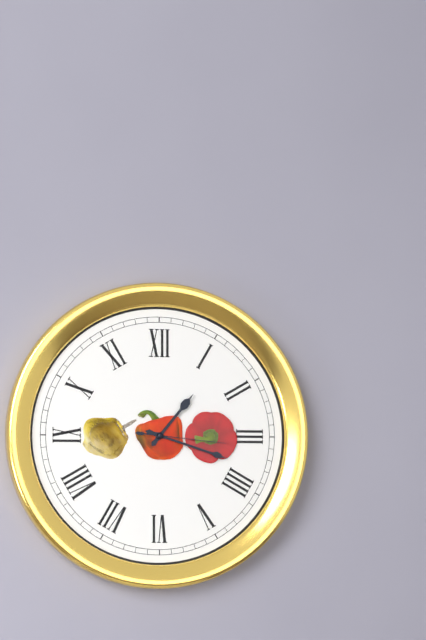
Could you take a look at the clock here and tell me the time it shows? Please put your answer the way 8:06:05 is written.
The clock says 1:18:16
